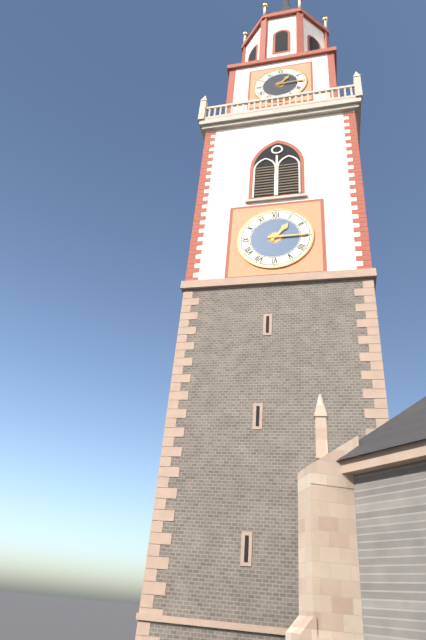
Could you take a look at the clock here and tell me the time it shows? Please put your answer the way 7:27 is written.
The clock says 1:15
